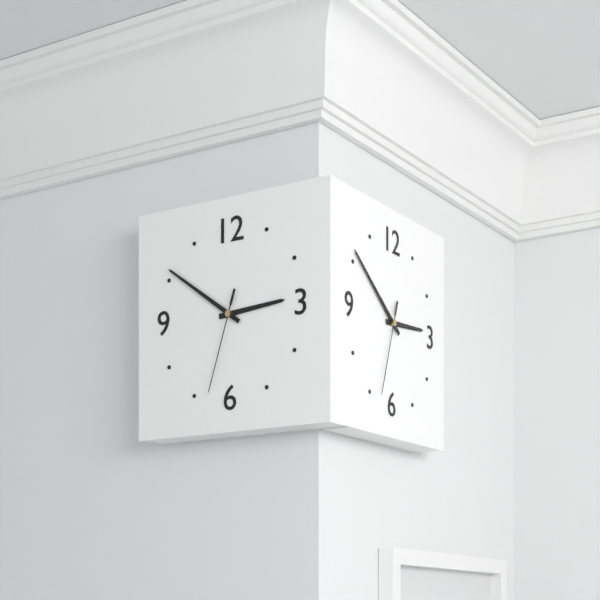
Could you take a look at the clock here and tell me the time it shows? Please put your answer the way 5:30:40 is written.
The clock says 2:51:33
